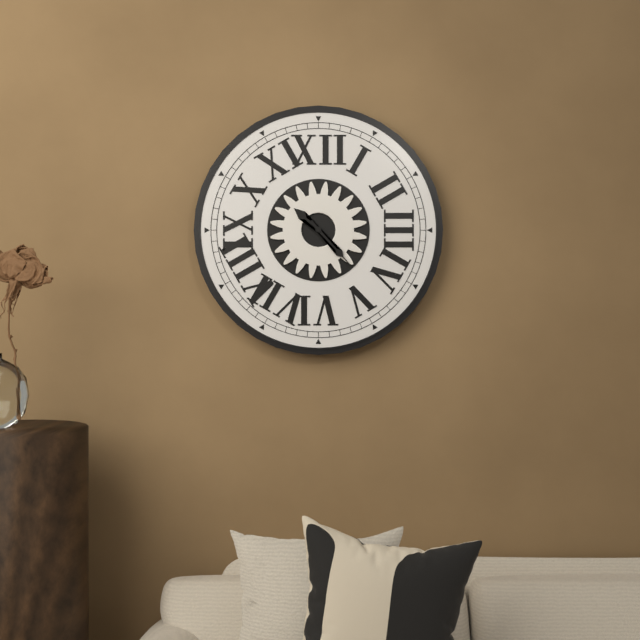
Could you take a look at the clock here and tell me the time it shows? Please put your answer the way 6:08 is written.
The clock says 10:23
